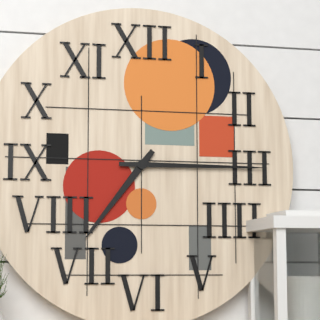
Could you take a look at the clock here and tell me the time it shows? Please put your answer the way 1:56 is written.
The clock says 7:15
